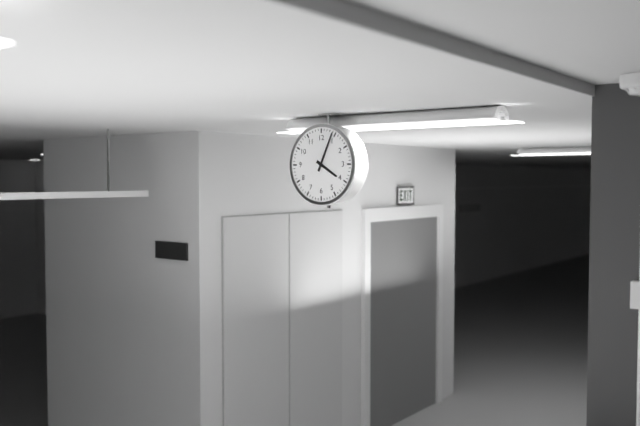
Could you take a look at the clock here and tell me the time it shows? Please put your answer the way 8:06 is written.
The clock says 4:04
